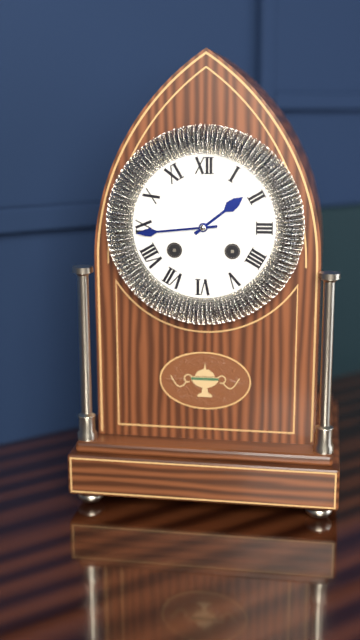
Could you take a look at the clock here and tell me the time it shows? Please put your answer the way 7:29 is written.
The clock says 1:44
